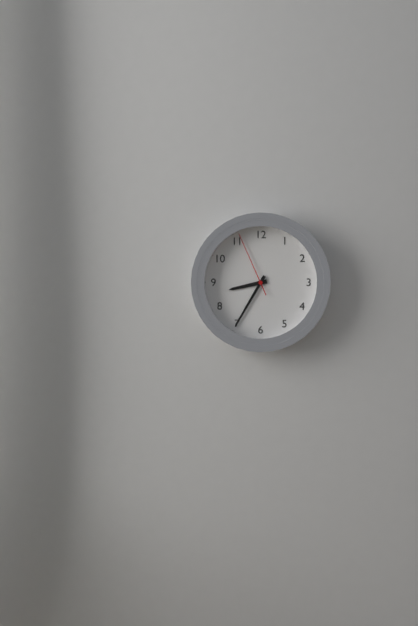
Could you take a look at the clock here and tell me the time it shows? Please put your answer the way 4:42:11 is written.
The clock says 8:35:56
